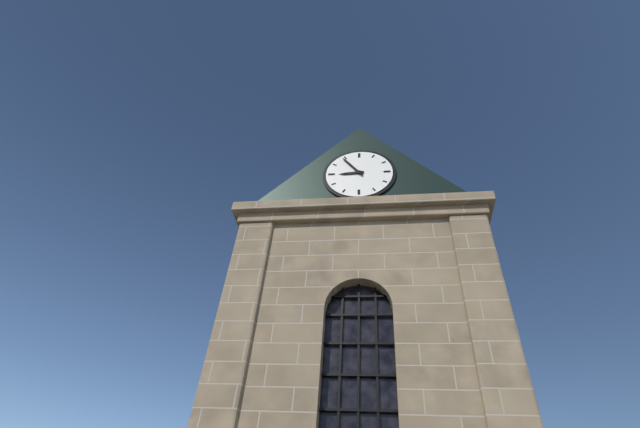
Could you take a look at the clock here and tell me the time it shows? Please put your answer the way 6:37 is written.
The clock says 8:54
